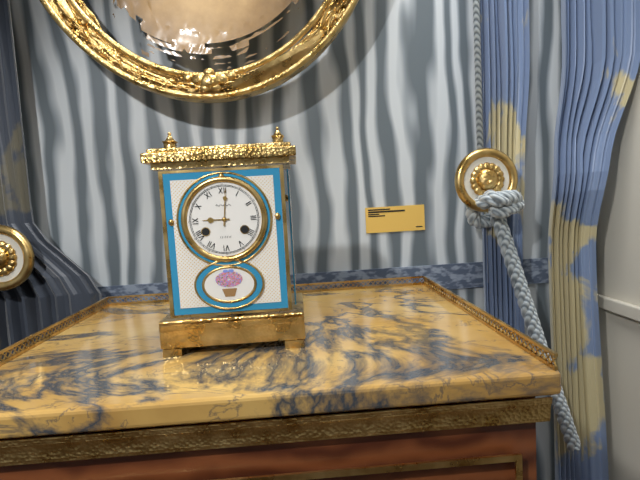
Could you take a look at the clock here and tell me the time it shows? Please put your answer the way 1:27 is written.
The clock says 9:01
